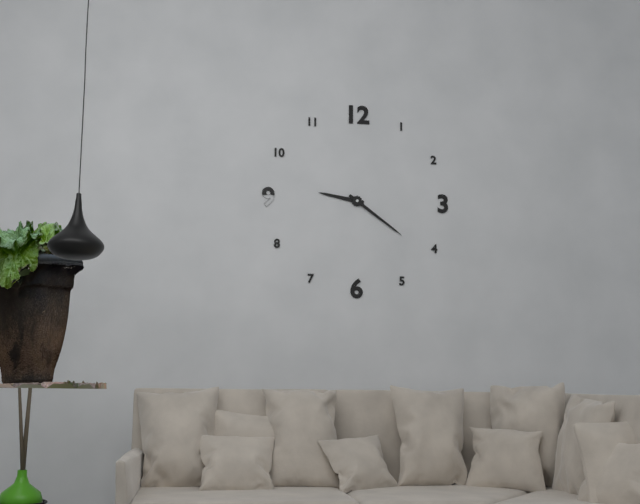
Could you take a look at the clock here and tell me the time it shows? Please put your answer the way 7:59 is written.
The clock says 9:21
